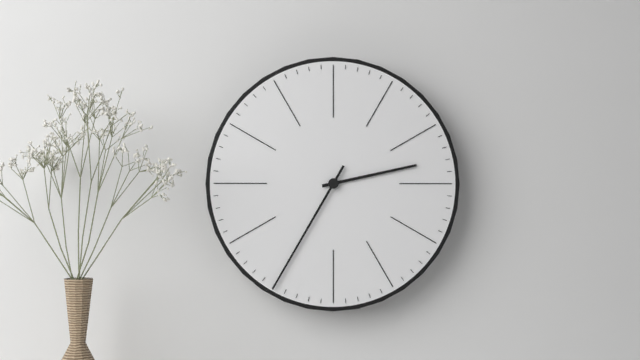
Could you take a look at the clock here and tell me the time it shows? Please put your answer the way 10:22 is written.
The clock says 2:35
